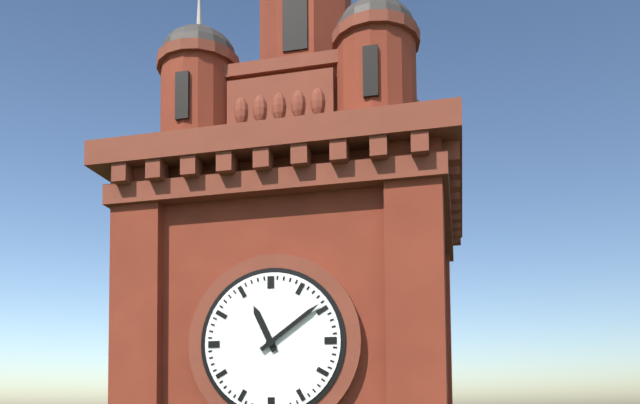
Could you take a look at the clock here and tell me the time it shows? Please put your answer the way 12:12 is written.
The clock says 11:09
